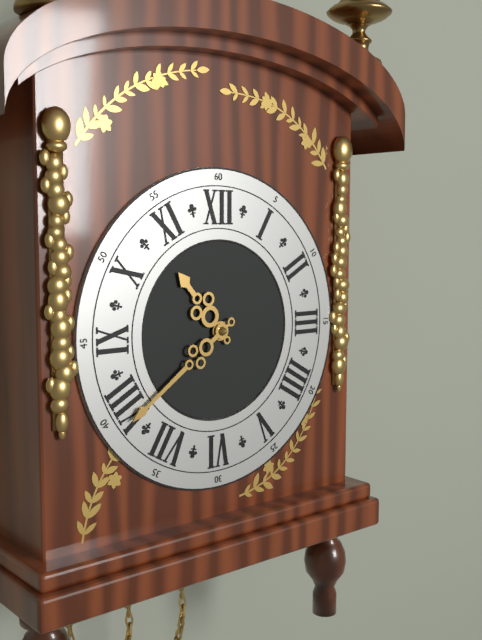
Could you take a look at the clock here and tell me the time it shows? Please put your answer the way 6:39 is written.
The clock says 10:39
